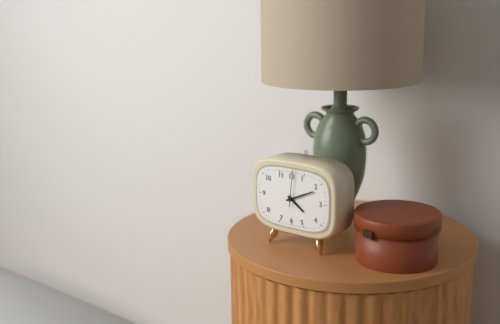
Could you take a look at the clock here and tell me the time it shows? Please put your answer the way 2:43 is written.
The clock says 4:11
